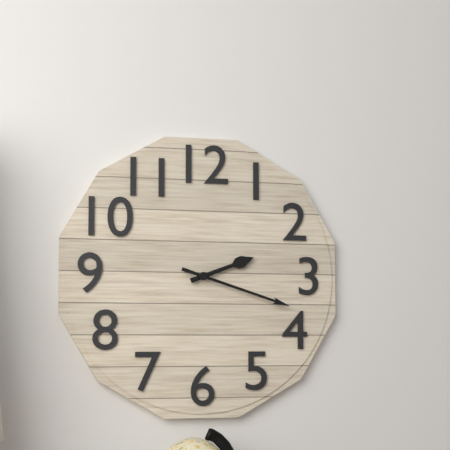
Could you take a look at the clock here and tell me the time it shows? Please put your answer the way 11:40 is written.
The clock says 2:18
